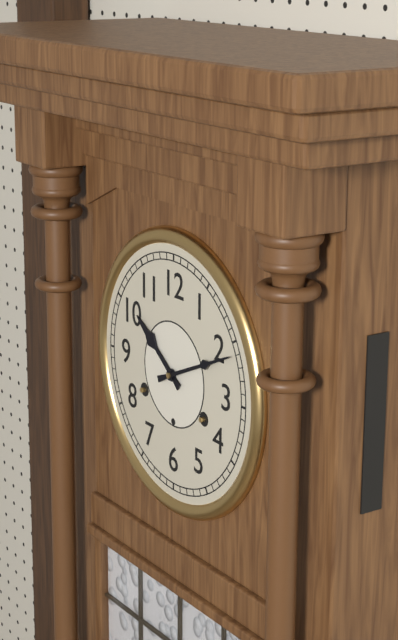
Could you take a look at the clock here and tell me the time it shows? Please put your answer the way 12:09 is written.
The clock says 10:11
